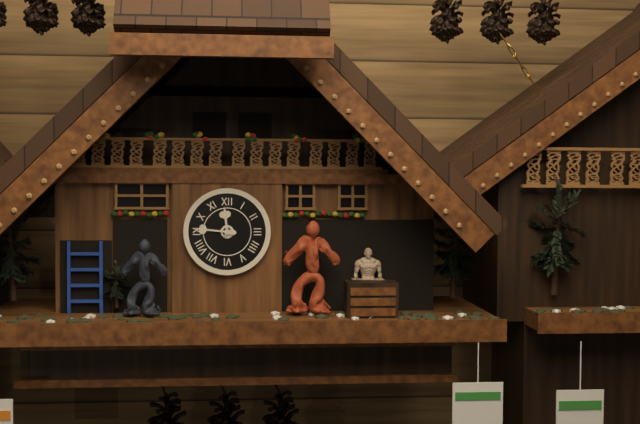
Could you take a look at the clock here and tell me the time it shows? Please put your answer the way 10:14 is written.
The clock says 11:46
